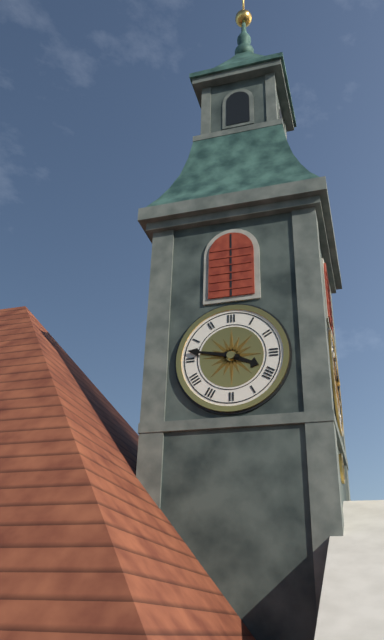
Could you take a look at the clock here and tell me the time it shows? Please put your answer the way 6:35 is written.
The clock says 3:47
